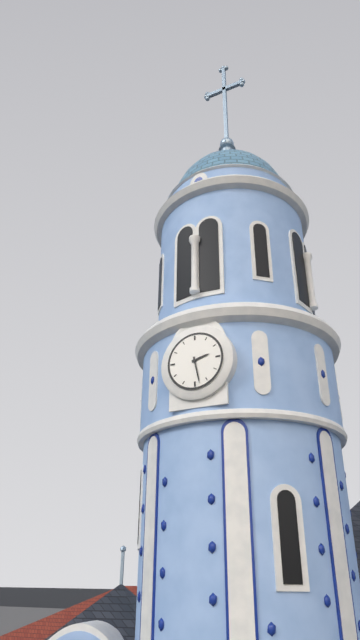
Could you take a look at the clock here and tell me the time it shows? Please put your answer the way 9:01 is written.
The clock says 2:28
